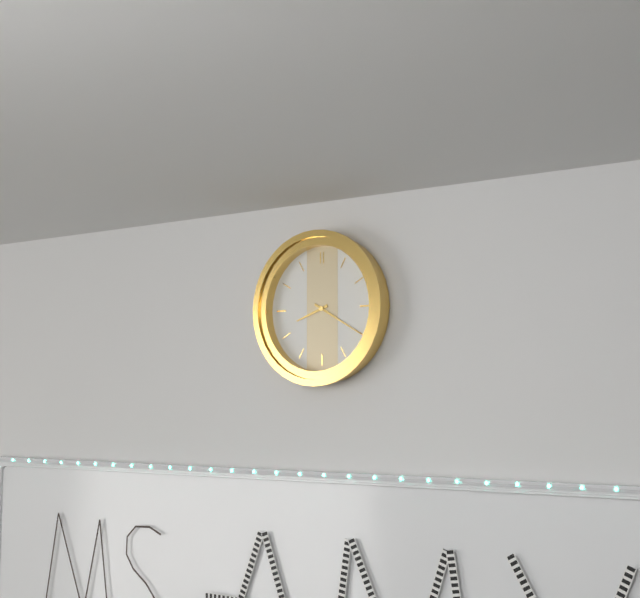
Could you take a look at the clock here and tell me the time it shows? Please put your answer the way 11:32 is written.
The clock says 8:20
